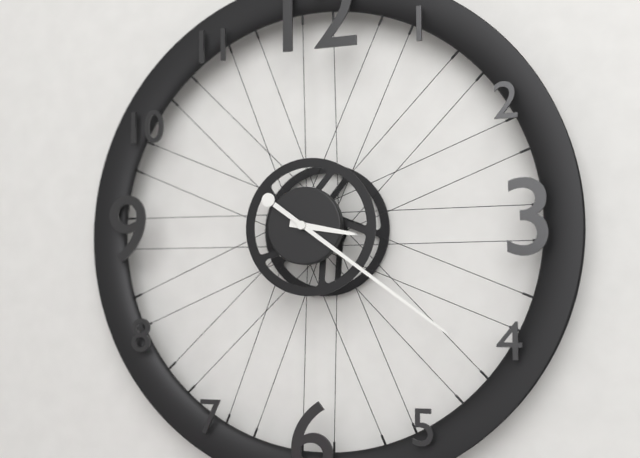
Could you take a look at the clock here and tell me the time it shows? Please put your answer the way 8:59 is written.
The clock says 3:21
